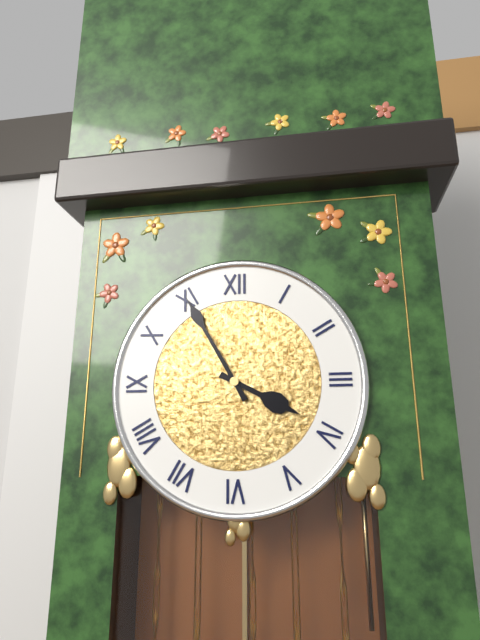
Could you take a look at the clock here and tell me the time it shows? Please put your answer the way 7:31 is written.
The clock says 3:55
